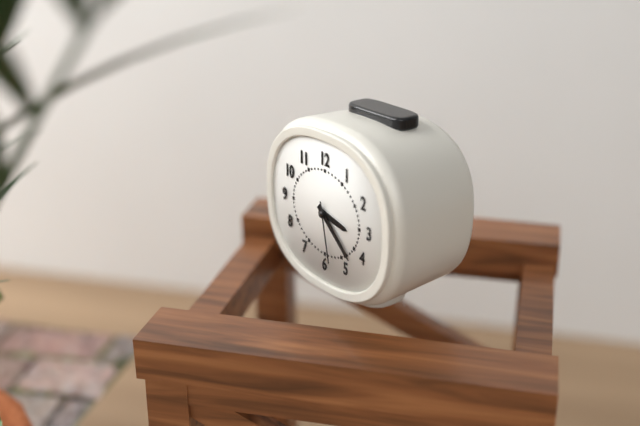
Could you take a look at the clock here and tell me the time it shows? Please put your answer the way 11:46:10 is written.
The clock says 3:22:28
